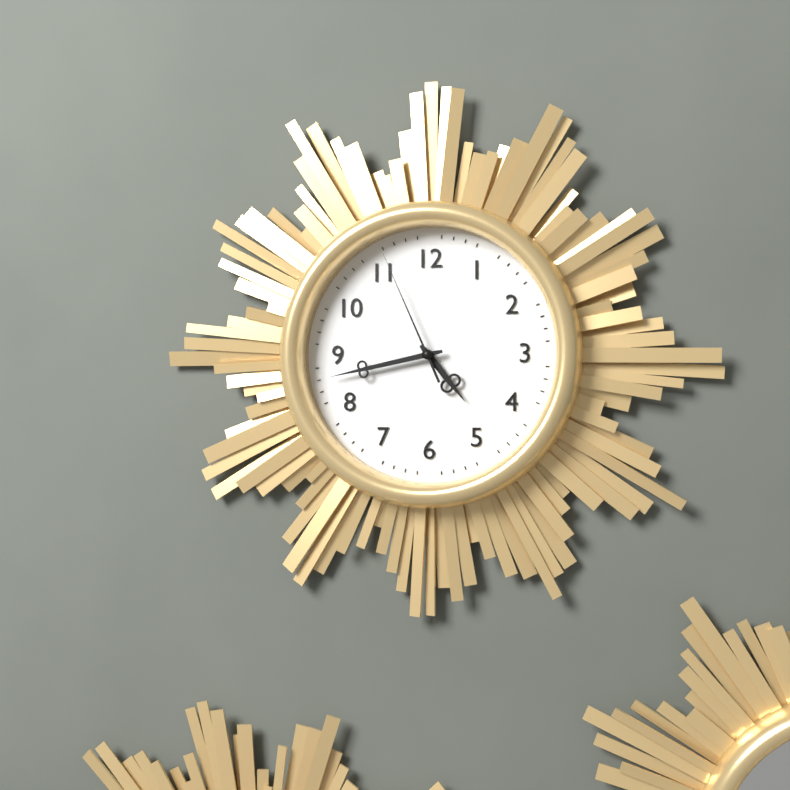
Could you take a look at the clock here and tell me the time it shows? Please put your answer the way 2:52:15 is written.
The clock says 4:43:56
